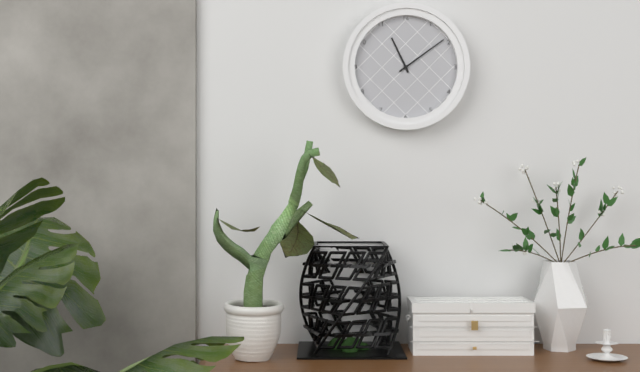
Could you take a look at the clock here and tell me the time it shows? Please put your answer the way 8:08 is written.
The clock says 11:09
